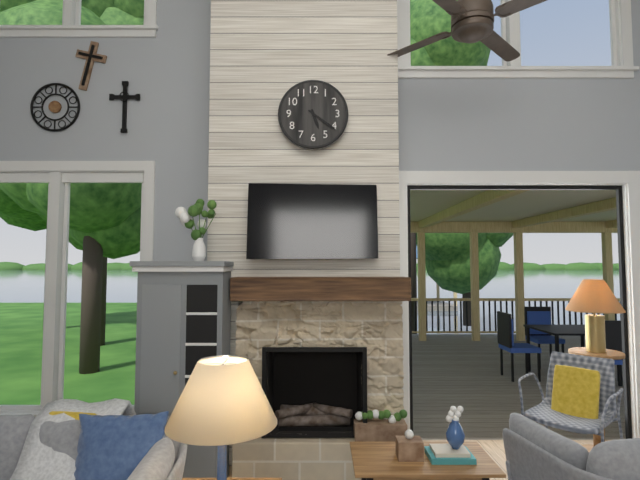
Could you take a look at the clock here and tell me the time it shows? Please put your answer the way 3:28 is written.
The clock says 5:21
